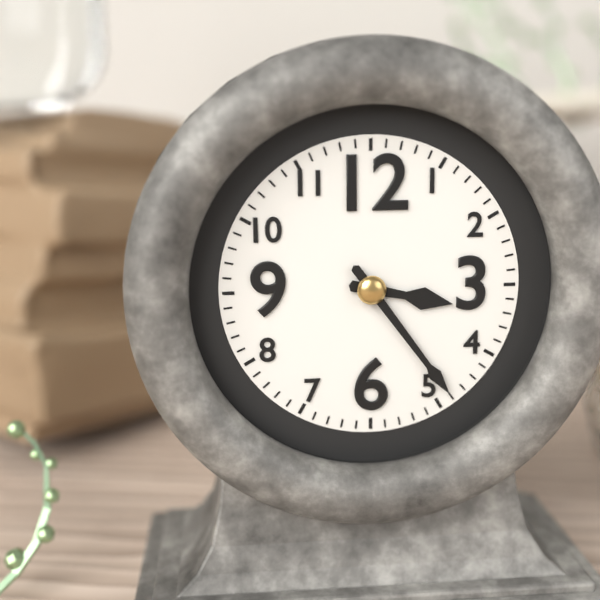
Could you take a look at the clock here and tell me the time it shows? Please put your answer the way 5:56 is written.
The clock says 3:24
